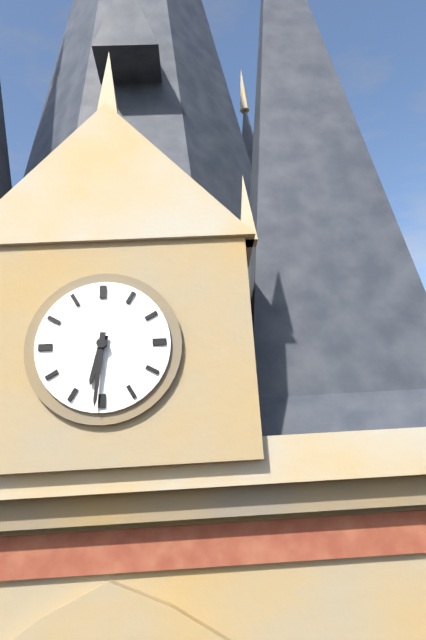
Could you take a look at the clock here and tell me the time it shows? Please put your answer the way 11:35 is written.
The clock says 6:31
